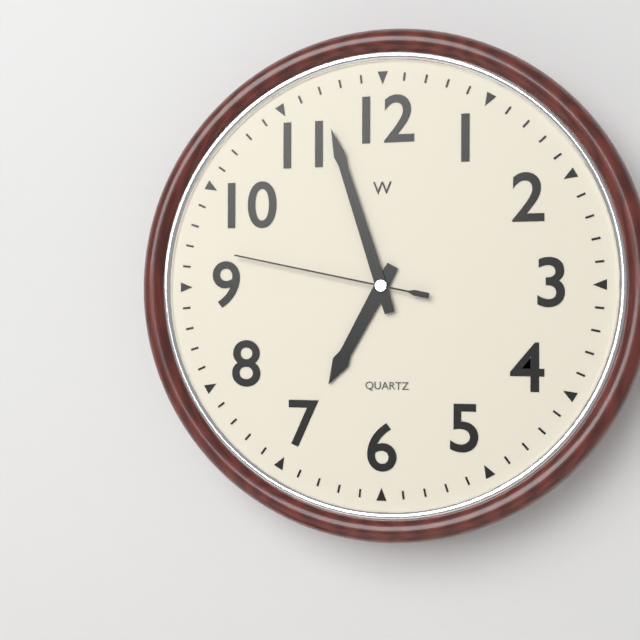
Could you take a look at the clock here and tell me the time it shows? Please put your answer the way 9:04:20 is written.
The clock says 6:57:47
